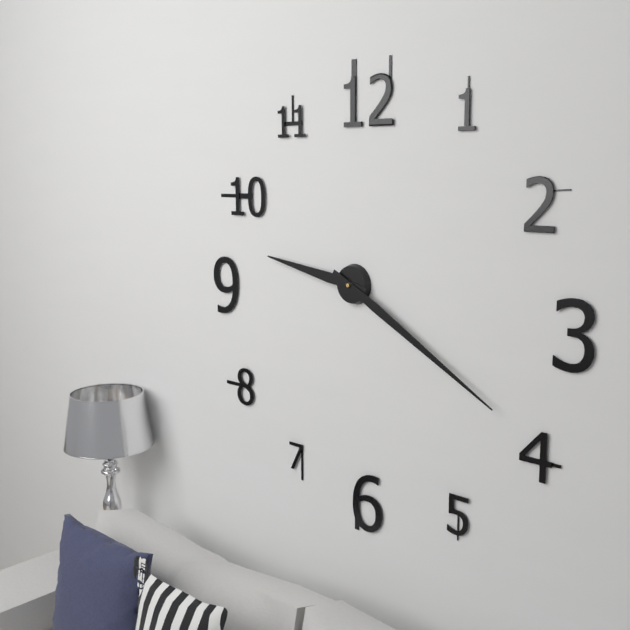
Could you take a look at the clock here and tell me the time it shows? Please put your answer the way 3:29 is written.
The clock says 9:20
